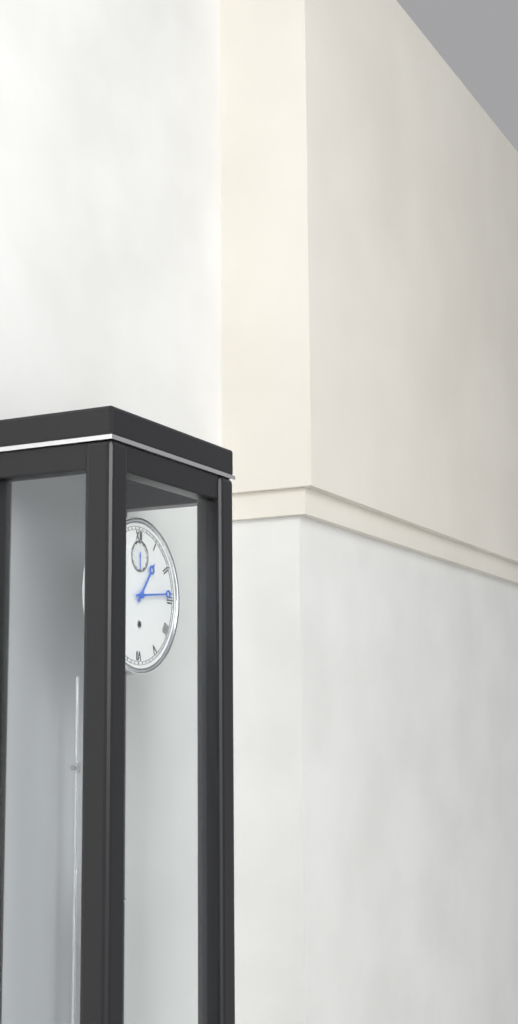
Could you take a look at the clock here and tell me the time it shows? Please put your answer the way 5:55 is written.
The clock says 1:14
